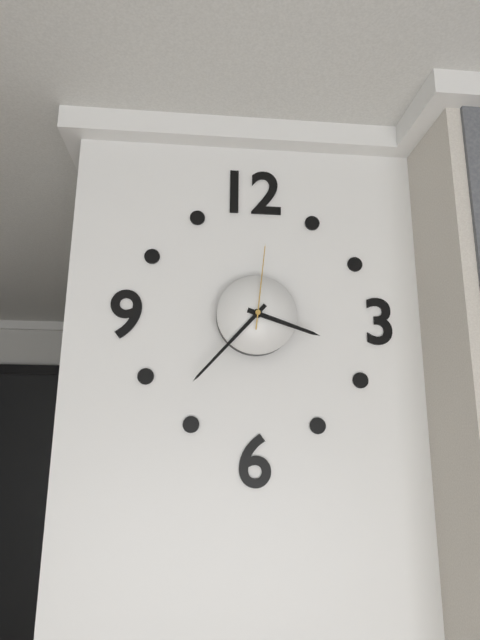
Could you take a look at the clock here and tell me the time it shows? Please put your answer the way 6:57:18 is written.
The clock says 3:37:01
